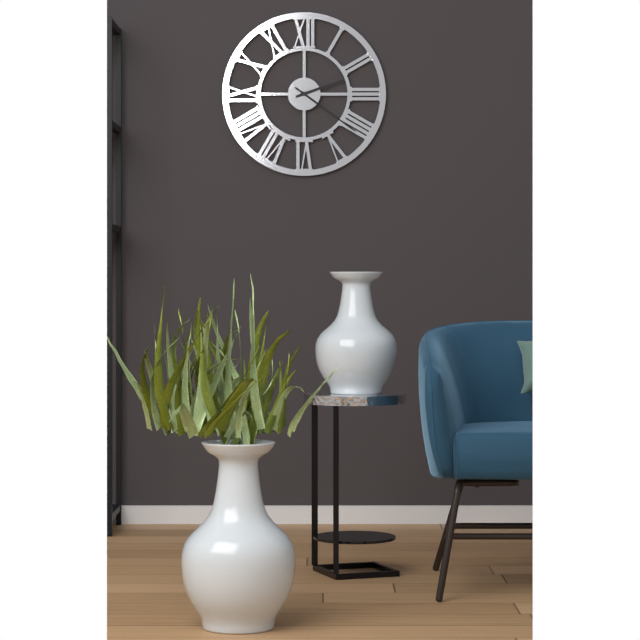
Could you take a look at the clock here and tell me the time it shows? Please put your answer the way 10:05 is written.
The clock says 2:21
